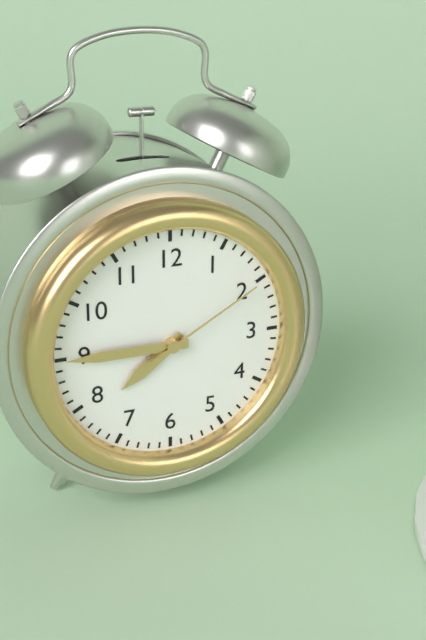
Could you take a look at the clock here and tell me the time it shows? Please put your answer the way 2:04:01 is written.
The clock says 7:45:10
